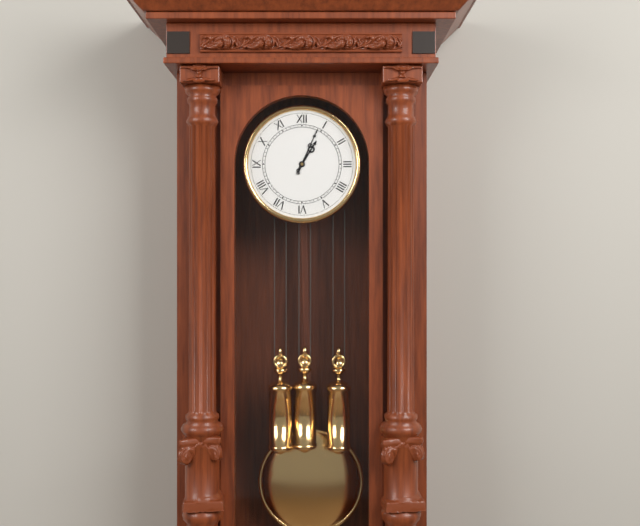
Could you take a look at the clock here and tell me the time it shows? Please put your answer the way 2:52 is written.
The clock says 1:04
